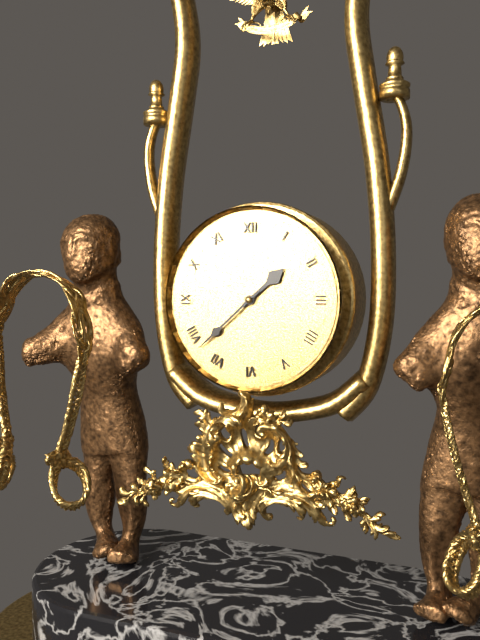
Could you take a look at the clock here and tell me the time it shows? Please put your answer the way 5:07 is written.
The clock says 1:38
